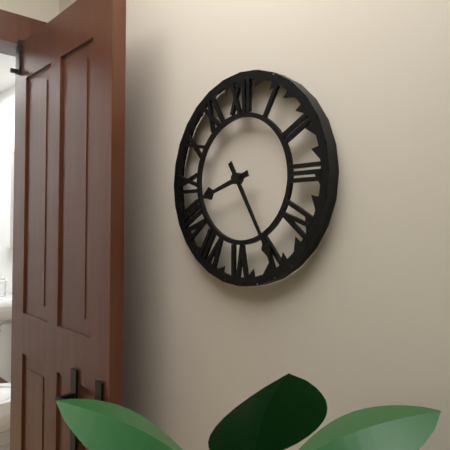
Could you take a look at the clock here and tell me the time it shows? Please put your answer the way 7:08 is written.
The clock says 8:25
